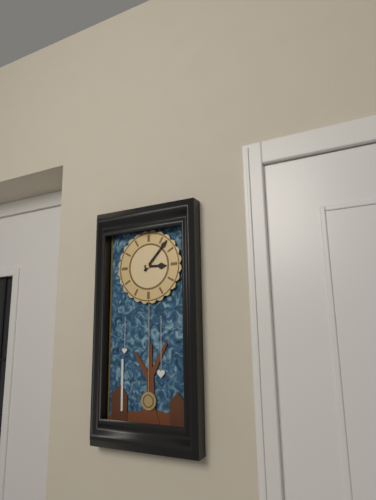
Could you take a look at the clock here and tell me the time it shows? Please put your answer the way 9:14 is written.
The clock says 3:07
